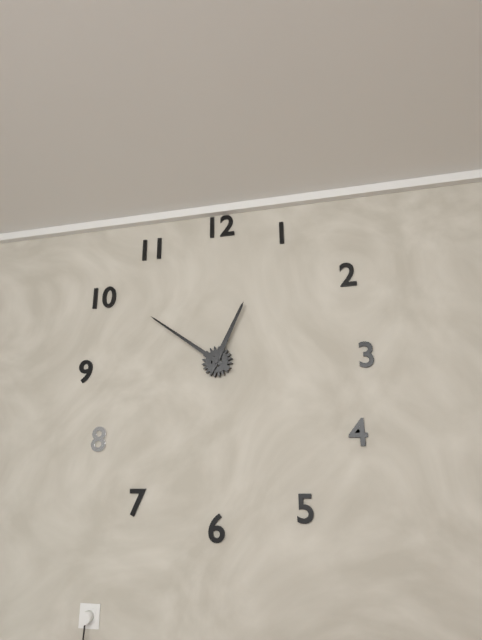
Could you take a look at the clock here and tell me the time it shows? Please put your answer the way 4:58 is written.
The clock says 12:51
